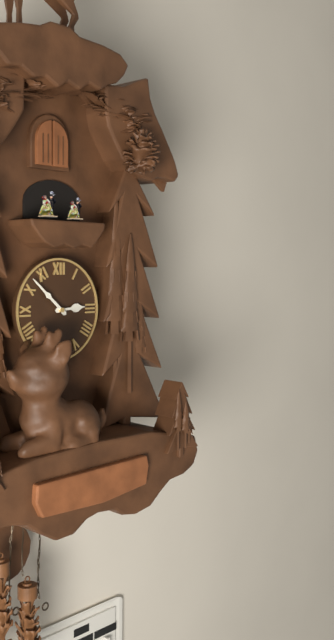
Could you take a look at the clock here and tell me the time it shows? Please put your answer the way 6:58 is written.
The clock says 2:52
